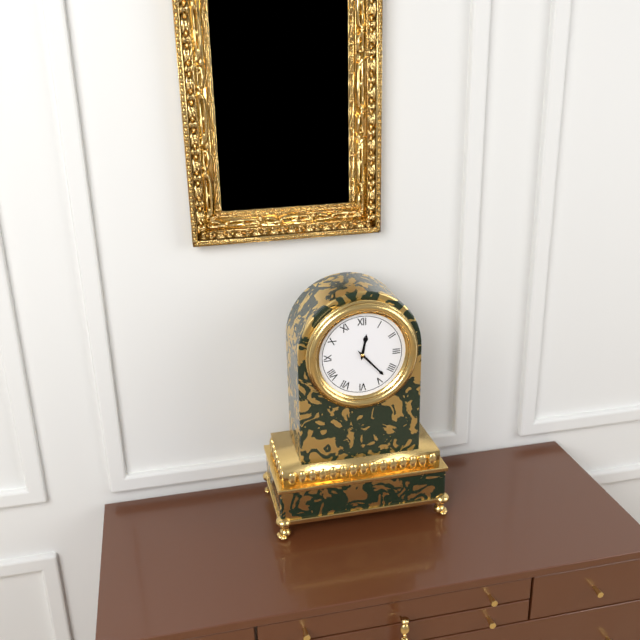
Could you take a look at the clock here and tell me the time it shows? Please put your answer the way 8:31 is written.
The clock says 12:23
